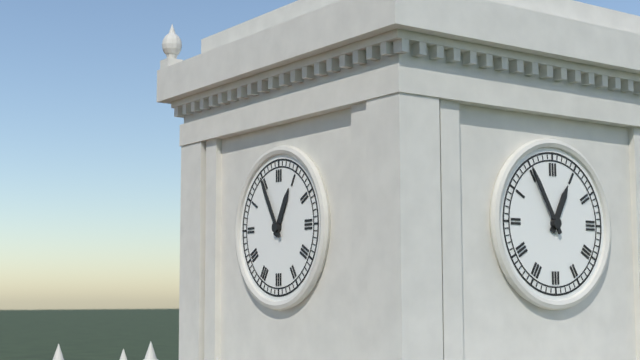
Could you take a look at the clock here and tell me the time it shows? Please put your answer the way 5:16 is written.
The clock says 12:55
